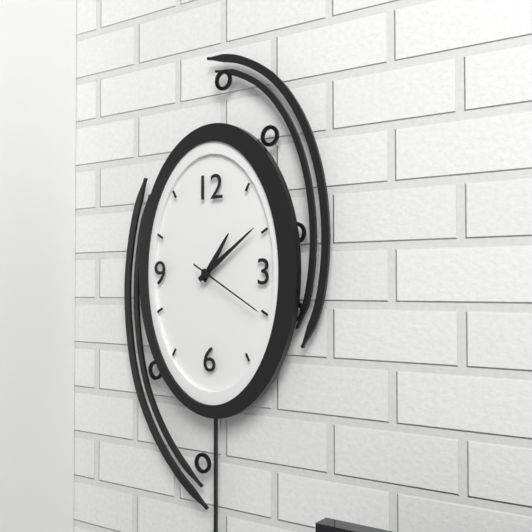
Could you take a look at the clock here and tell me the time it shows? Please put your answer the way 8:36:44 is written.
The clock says 1:09:20
